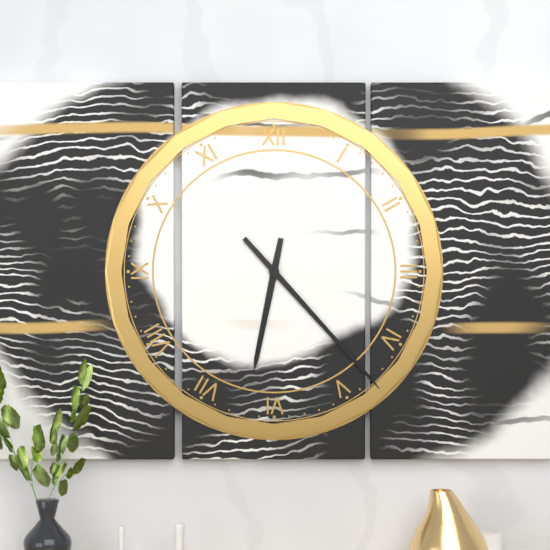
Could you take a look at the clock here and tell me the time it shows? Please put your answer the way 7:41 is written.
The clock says 6:23
